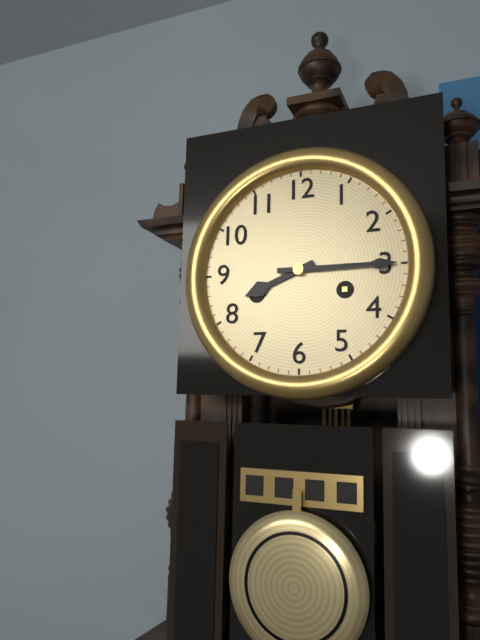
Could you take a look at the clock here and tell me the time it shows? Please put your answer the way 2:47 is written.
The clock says 8:15
